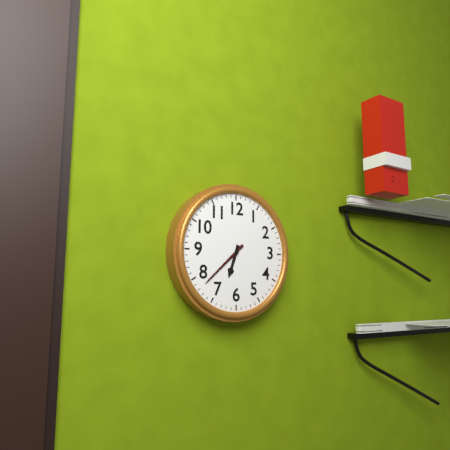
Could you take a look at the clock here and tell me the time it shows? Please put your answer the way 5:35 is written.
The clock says 6:38
